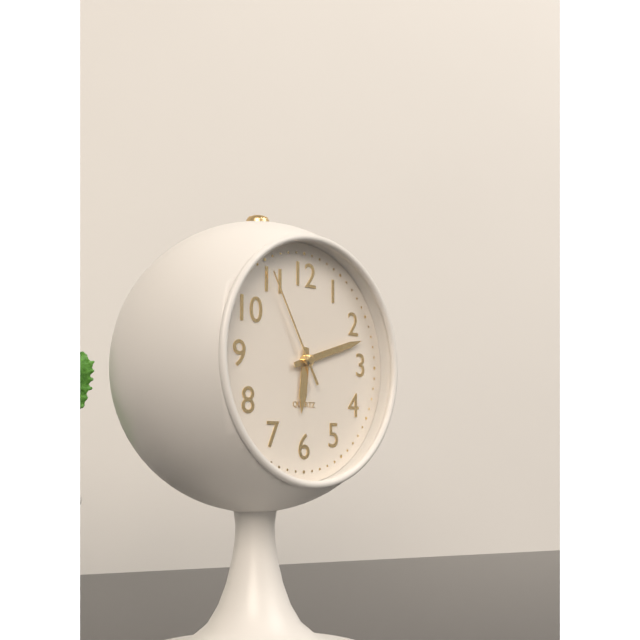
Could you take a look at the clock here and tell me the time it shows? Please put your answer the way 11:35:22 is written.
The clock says 6:12:55
